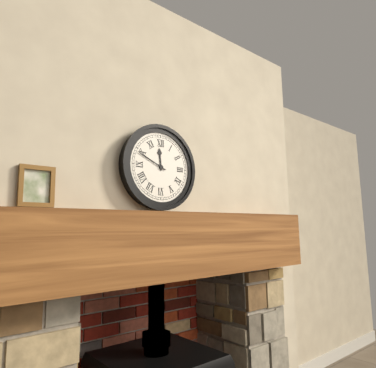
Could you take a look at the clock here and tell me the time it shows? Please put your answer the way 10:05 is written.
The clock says 11:49
